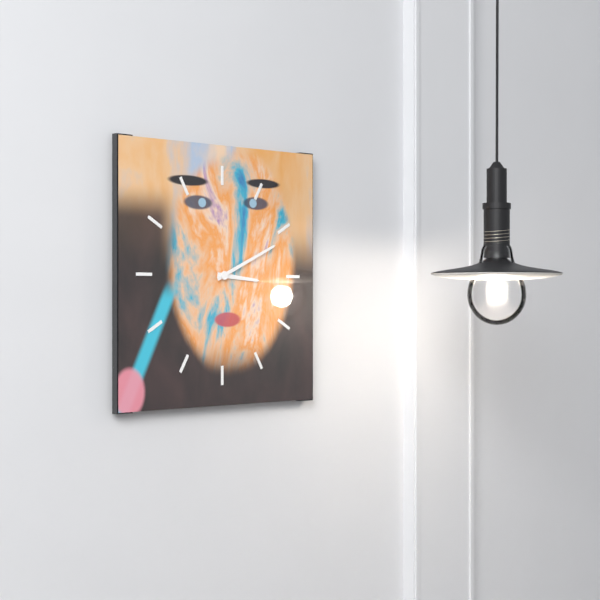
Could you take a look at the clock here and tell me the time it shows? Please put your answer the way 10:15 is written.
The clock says 3:11
